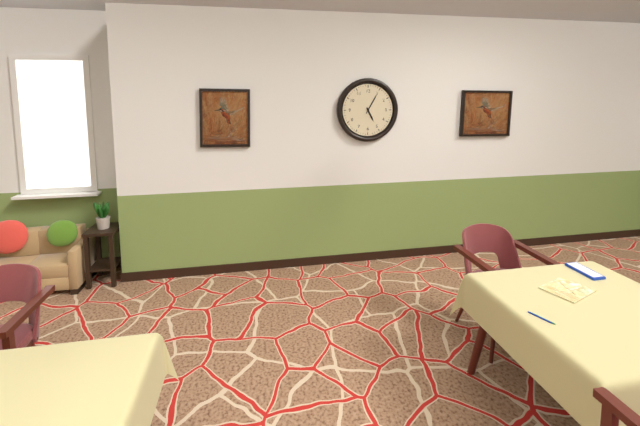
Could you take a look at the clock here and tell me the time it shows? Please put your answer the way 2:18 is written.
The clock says 5:05
